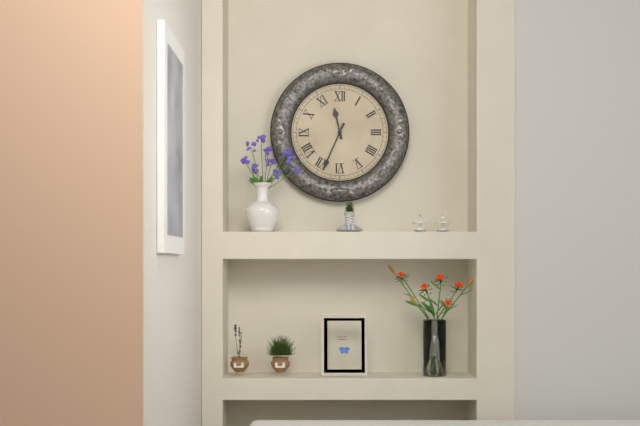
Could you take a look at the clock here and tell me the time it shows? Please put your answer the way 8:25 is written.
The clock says 11:34
